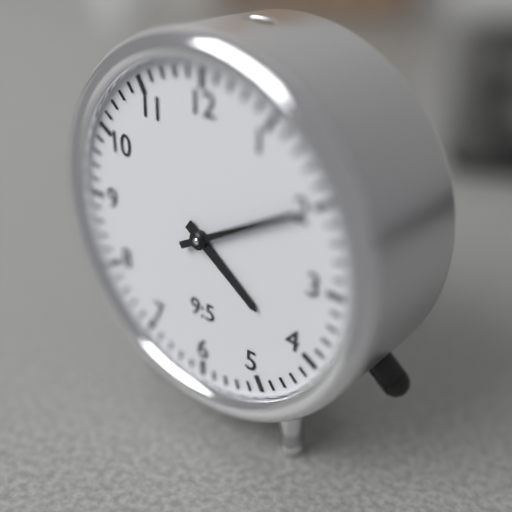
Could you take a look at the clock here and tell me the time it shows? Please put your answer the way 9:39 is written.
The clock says 4:10
